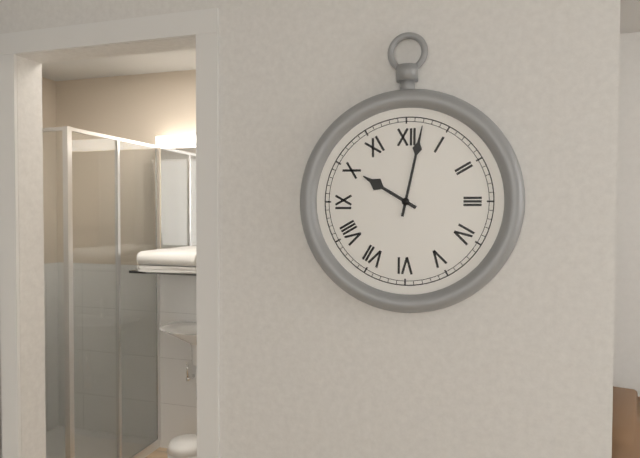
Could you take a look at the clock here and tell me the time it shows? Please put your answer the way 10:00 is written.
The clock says 10:02
